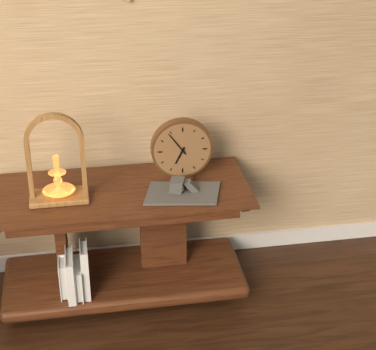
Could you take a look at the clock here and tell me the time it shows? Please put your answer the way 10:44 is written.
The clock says 6:54
